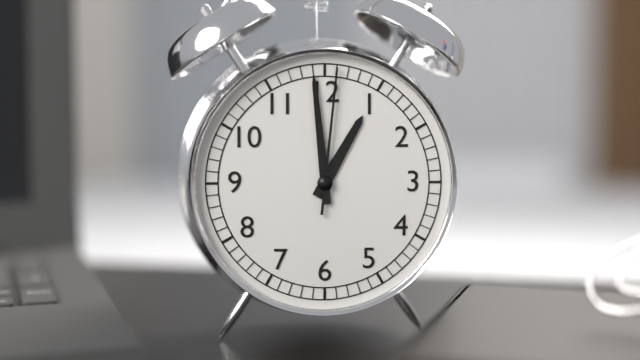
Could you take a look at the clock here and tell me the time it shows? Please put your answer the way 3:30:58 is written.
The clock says 12:59:01
